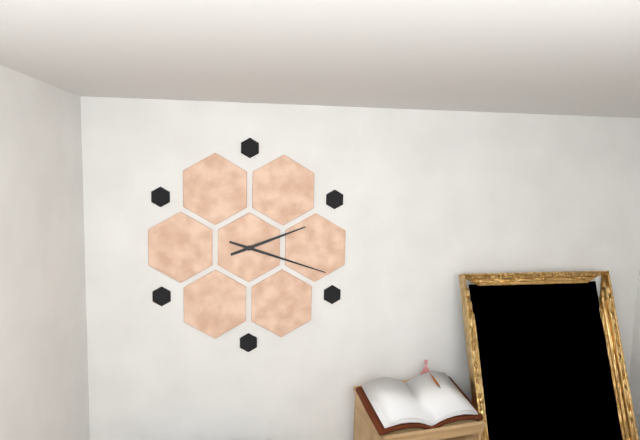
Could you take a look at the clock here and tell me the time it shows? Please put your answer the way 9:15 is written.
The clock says 2:18
